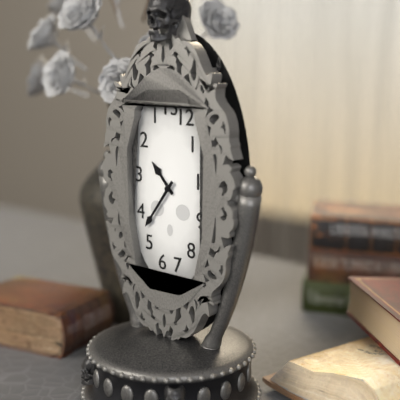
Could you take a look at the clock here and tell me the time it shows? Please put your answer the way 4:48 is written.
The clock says 10:36
